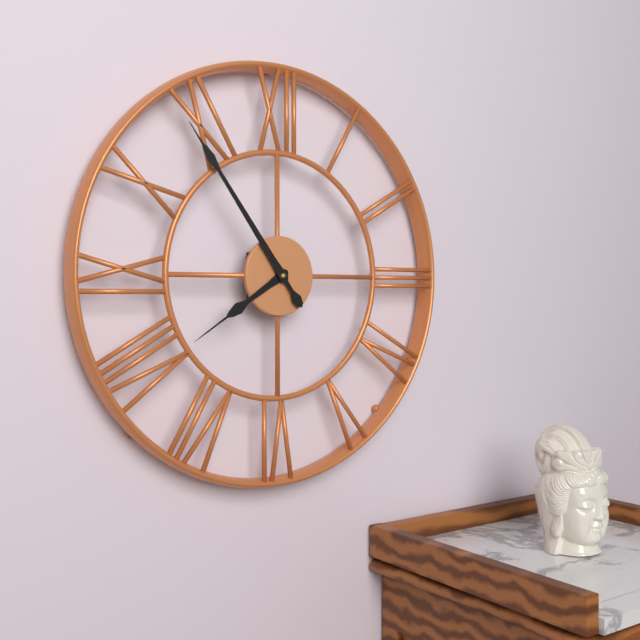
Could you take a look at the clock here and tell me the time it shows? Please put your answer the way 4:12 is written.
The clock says 7:54
